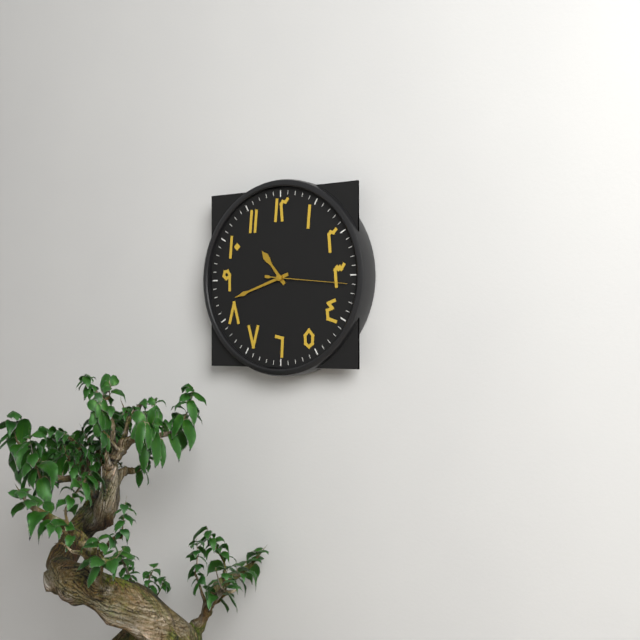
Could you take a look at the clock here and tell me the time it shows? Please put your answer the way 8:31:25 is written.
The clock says 10:42:16
